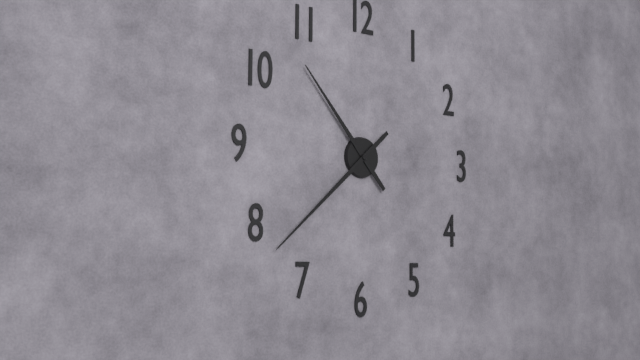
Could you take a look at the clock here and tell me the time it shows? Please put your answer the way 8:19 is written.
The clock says 10:38
